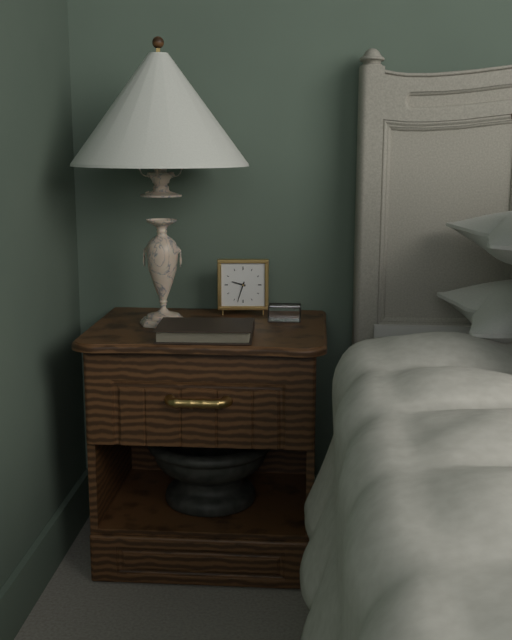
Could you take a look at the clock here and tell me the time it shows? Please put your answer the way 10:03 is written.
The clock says 9:33
